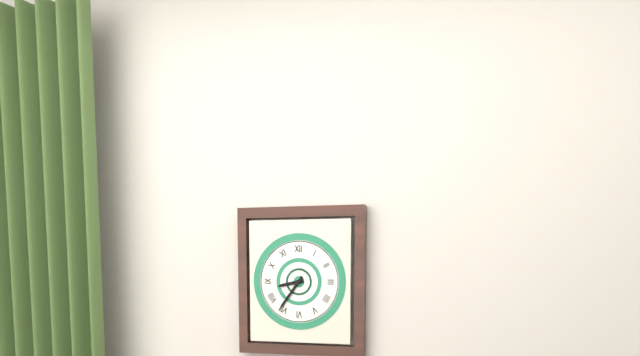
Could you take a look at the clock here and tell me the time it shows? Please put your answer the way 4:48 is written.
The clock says 8:36
